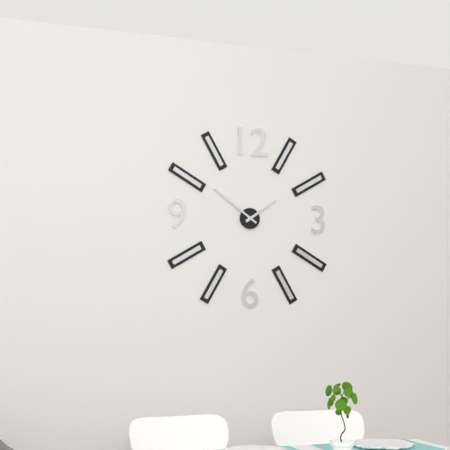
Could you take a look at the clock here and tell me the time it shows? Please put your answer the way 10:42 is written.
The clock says 1:51
